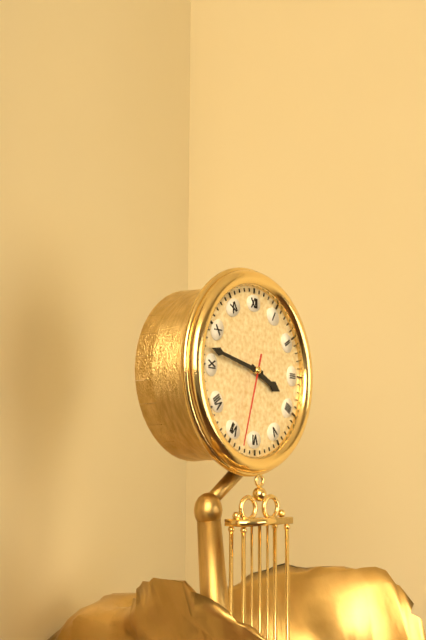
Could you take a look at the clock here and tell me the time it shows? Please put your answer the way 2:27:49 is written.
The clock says 3:47:33
